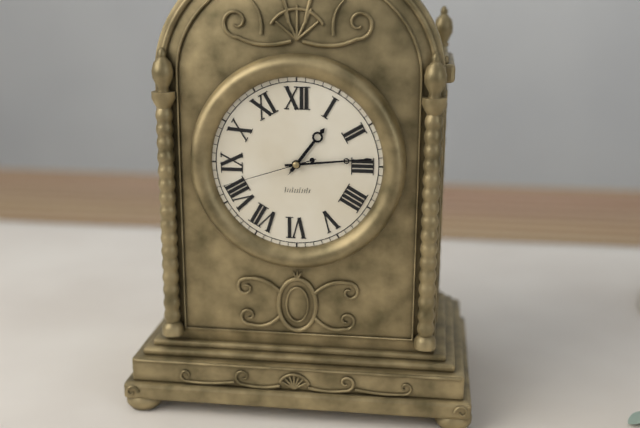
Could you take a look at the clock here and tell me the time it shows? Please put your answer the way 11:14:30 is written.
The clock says 1:14:42
